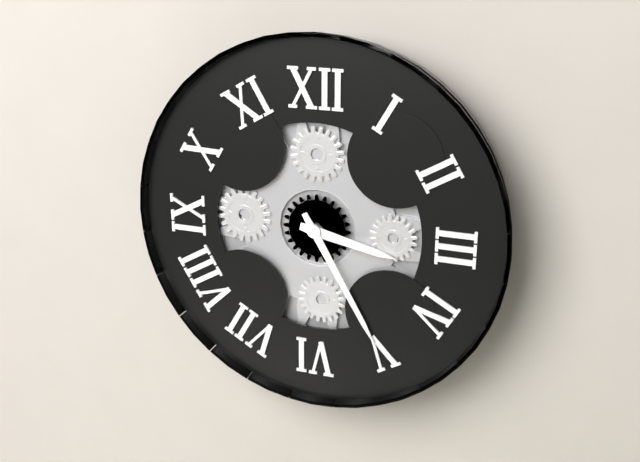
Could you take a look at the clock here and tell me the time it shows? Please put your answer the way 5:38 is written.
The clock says 3:25
